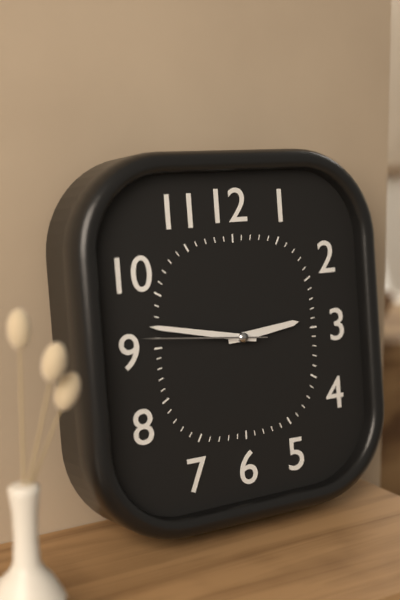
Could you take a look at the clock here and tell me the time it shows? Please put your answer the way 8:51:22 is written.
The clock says 2:47:46
